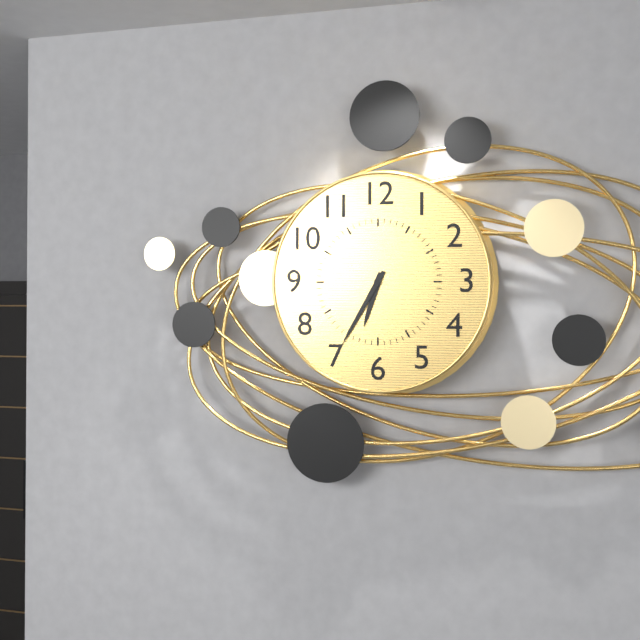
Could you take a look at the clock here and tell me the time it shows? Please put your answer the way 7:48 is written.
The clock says 6:35
